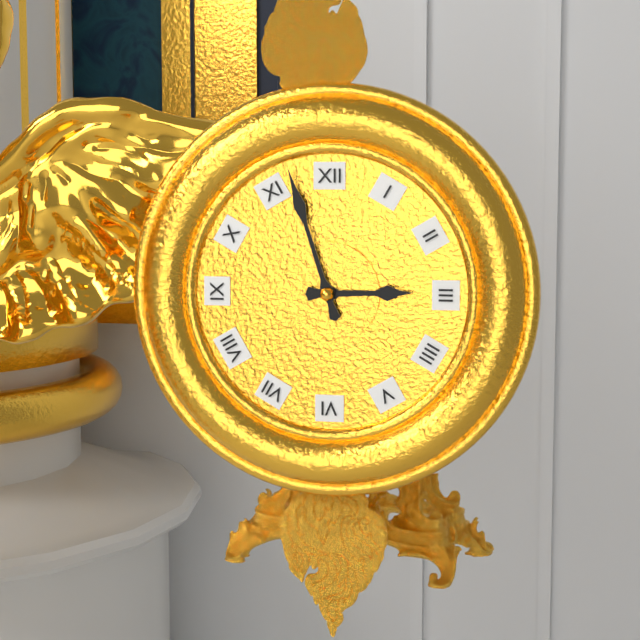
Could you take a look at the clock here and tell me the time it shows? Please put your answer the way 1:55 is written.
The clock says 2:57
